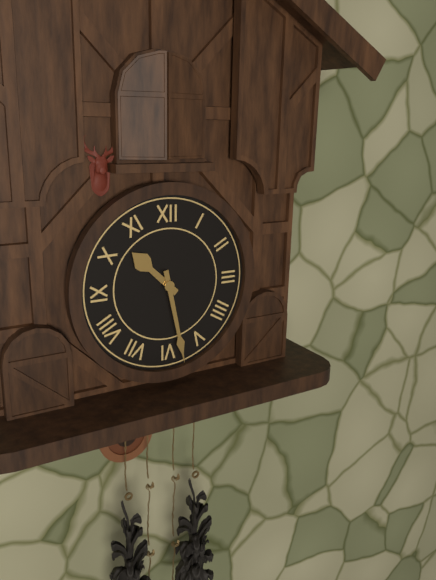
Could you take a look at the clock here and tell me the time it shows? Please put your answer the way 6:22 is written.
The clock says 10:28
